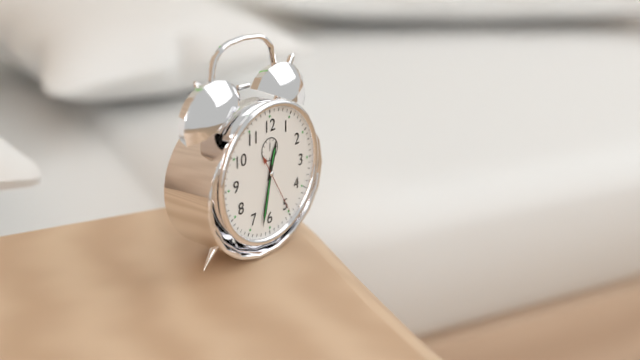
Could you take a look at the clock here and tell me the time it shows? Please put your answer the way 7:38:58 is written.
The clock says 12:32:25
